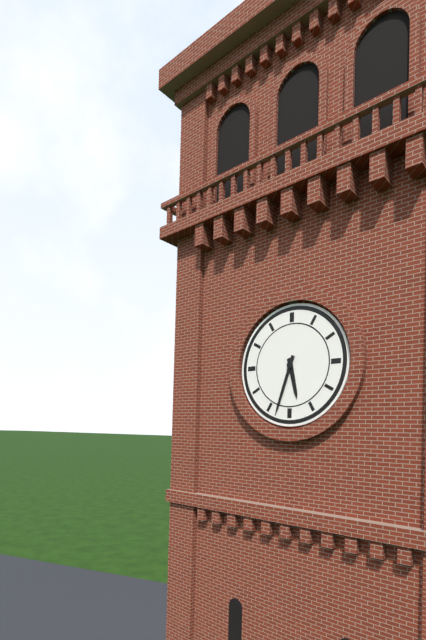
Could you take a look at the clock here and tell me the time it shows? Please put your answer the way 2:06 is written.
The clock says 5:33
